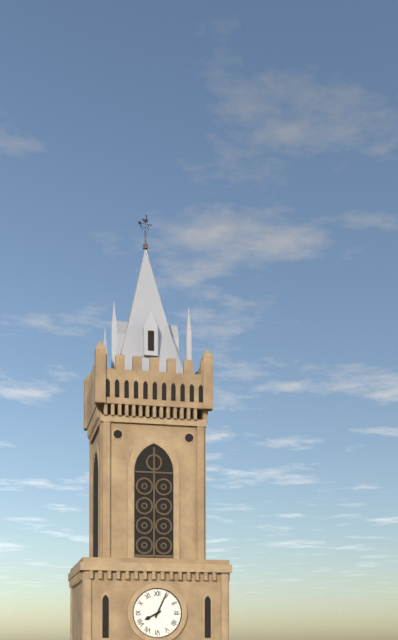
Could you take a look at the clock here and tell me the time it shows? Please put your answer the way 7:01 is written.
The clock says 8:04
